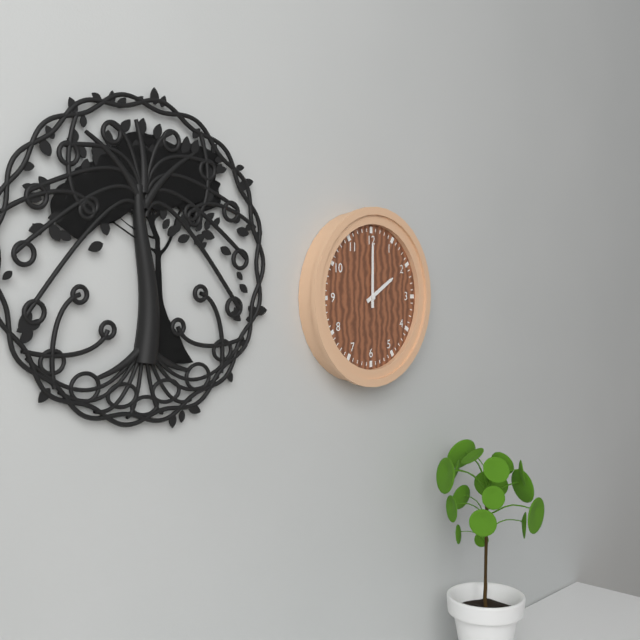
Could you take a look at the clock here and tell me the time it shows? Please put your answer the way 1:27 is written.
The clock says 2:00
